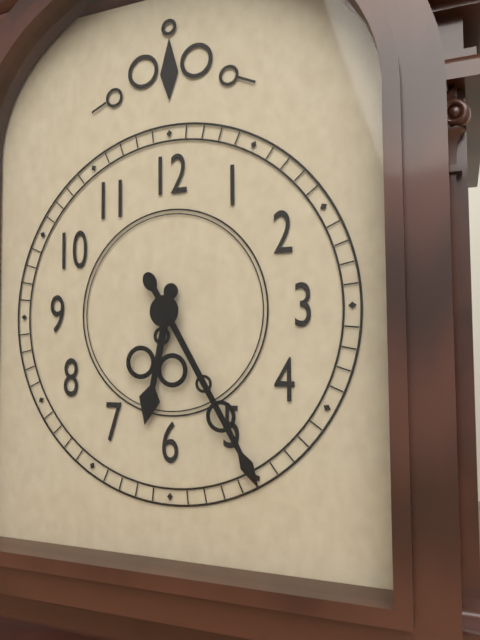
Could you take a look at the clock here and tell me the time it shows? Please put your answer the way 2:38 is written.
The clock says 6:25
